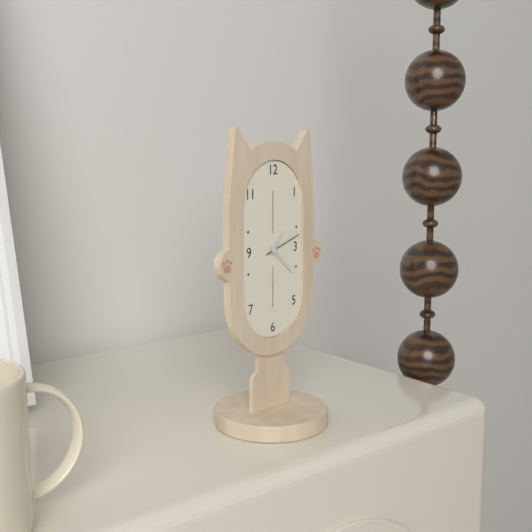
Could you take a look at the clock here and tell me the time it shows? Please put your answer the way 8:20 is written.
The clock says 1:22
